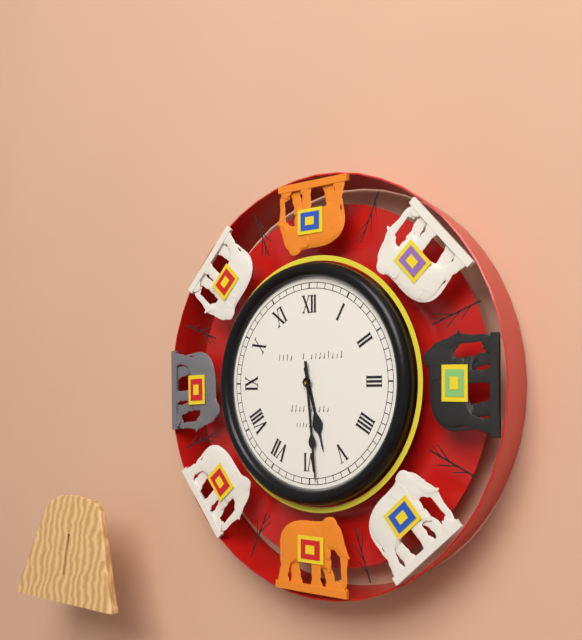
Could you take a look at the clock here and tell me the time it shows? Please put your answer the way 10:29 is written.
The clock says 5:29
